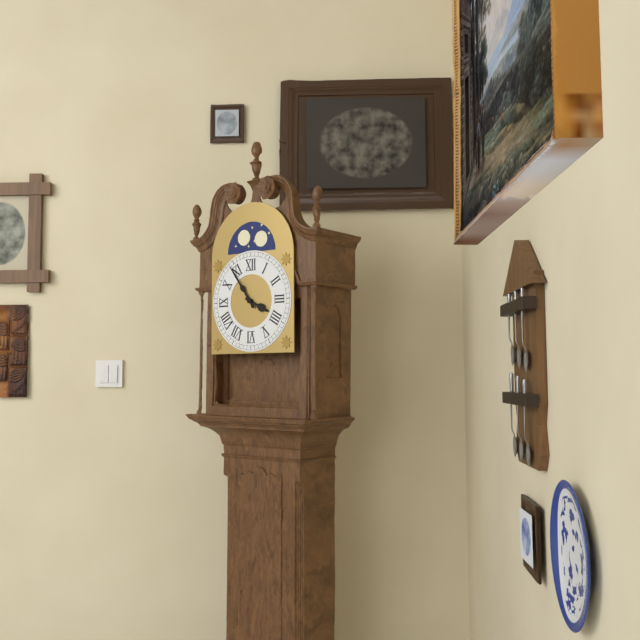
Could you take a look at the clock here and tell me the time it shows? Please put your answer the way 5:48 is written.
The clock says 3:54
